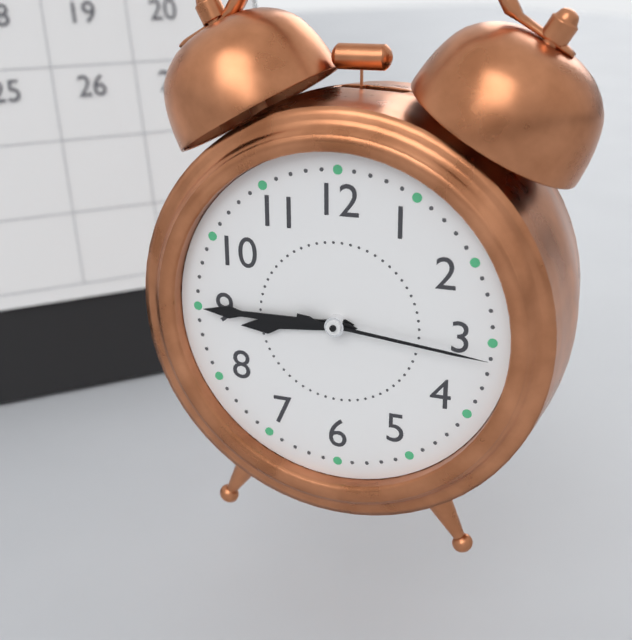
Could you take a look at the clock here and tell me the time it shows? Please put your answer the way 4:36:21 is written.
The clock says 8:45:16
